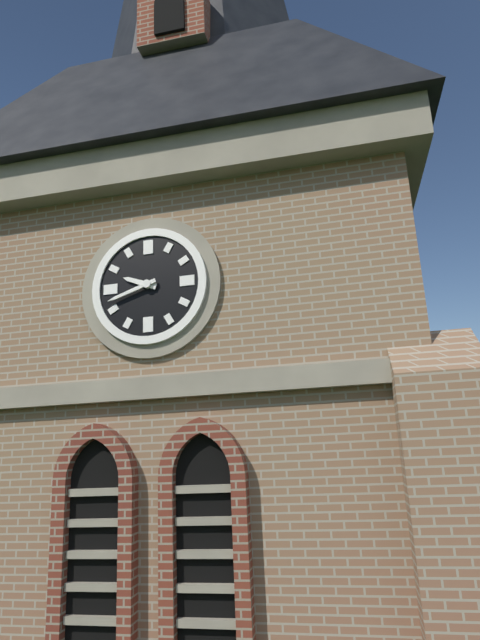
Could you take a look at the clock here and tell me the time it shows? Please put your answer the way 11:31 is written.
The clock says 9:42
